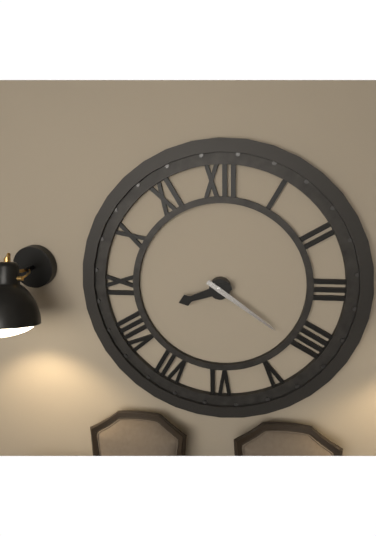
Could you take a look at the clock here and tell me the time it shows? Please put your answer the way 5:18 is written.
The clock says 8:21
